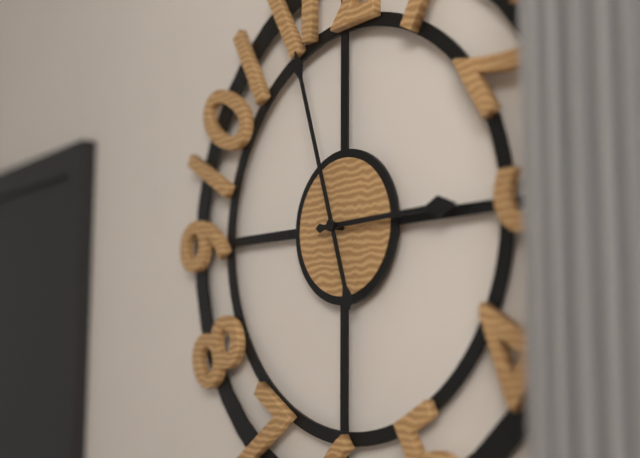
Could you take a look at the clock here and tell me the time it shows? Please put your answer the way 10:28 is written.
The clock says 2:57
